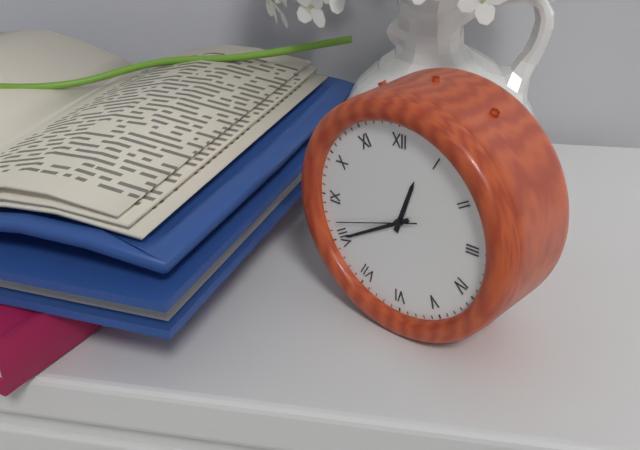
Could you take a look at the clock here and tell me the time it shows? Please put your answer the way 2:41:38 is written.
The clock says 12:40:42
